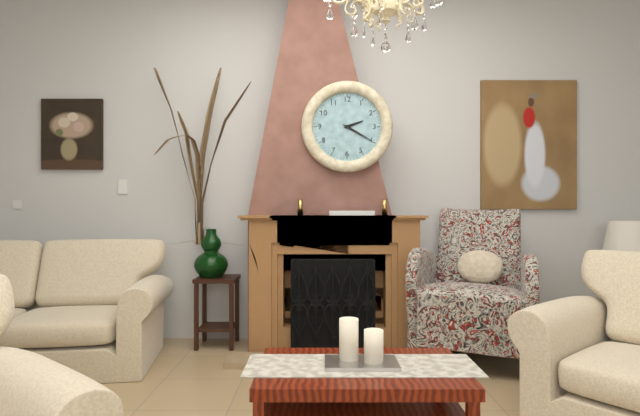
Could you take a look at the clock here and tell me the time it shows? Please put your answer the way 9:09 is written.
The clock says 2:20
